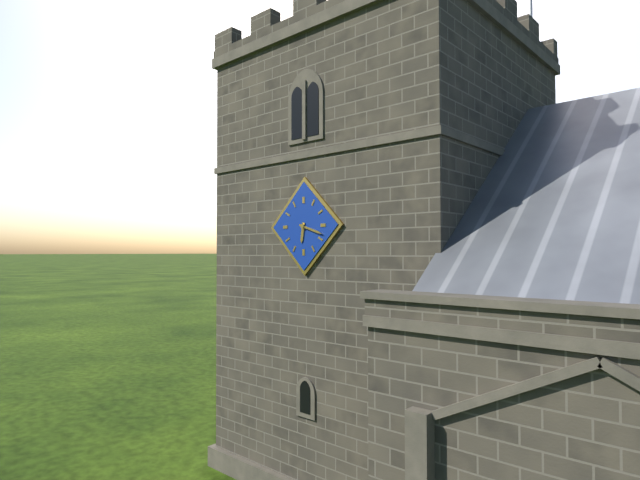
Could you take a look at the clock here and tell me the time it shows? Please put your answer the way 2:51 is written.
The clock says 6:18
